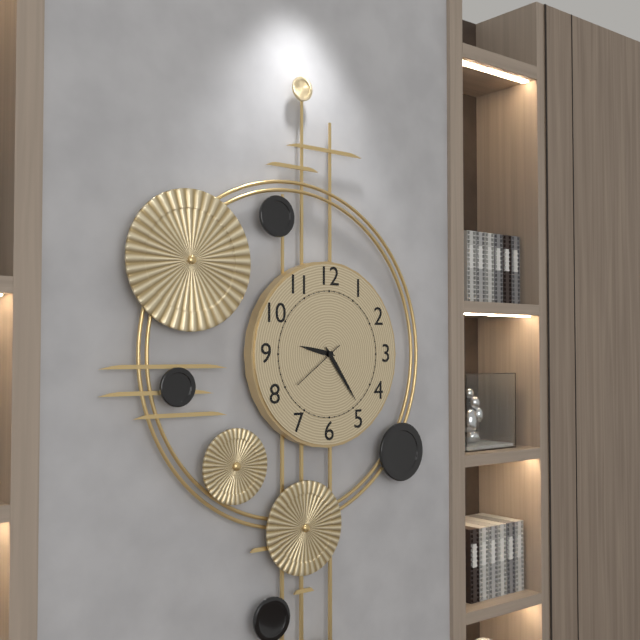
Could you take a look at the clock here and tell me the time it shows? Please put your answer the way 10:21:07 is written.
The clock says 9:24:39
